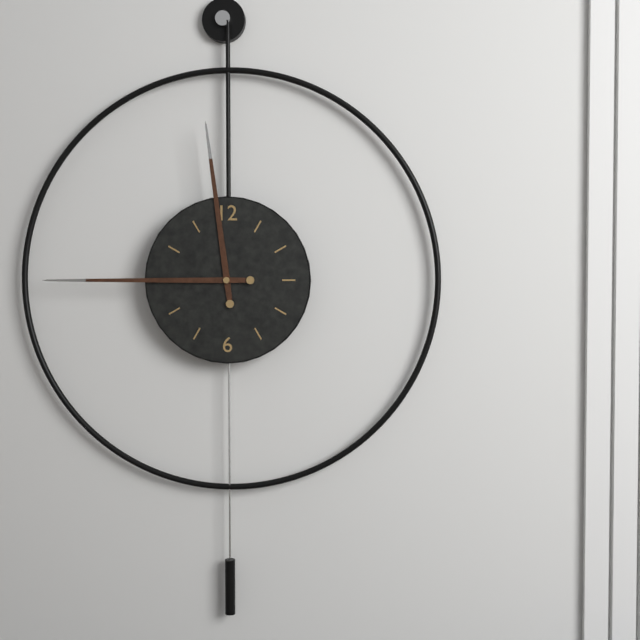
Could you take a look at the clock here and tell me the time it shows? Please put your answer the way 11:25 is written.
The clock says 11:45
